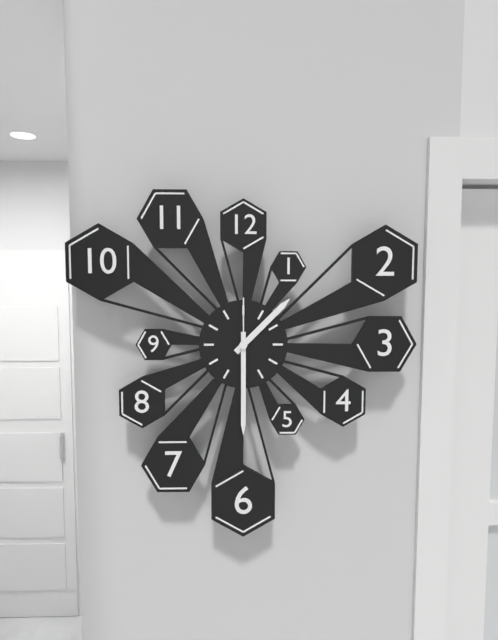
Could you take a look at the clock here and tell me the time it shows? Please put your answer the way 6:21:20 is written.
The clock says 1:30:30
